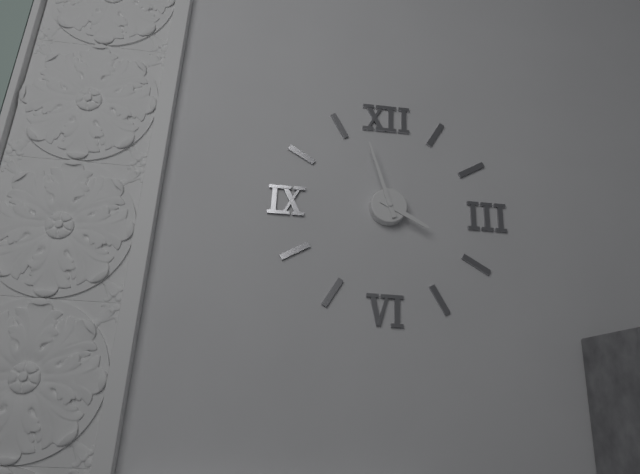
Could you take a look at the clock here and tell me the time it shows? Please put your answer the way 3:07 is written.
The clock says 3:57
